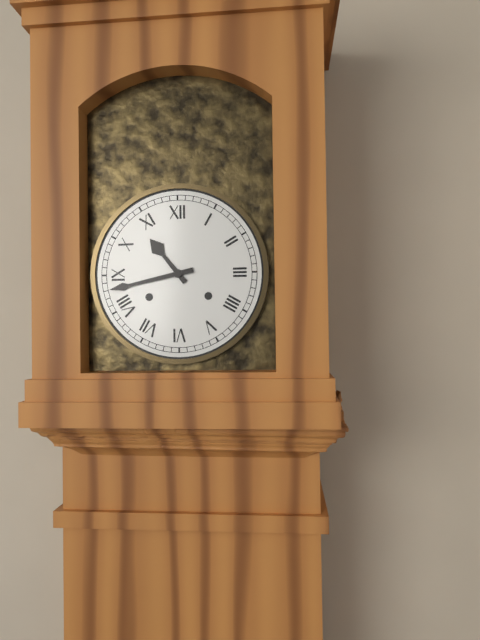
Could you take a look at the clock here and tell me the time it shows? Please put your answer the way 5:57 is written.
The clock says 10:43
